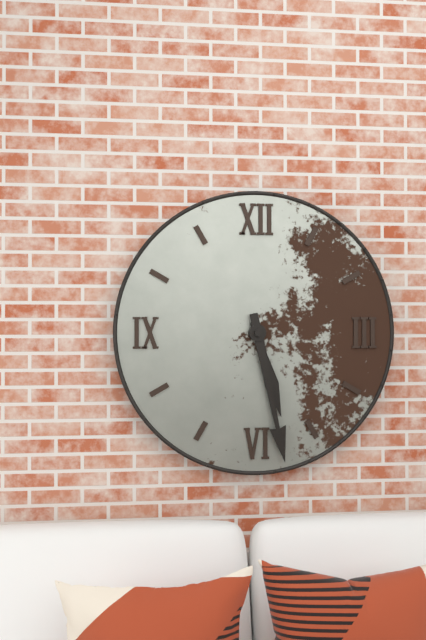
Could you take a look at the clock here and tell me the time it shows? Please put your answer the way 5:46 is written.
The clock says 5:28
